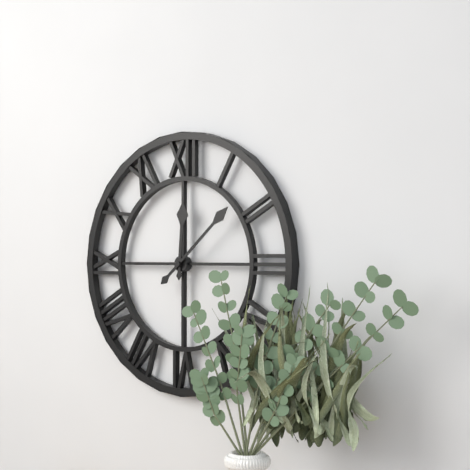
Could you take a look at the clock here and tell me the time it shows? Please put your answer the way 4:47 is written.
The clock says 12:08
